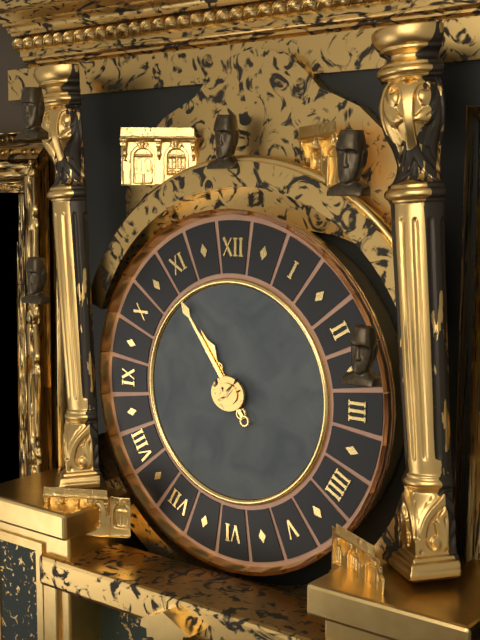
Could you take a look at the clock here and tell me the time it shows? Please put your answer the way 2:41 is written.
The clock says 10:54
